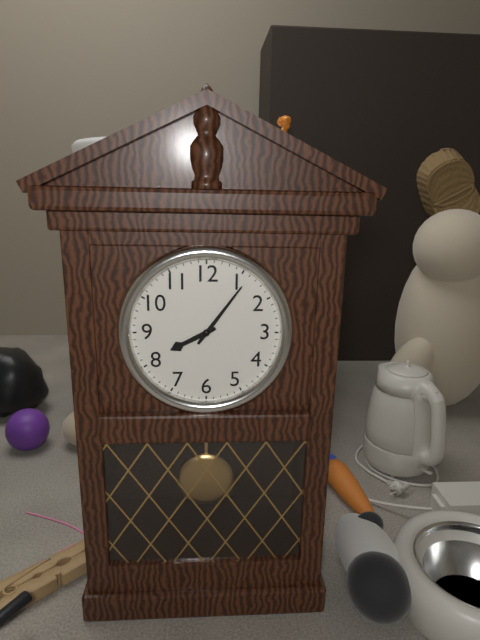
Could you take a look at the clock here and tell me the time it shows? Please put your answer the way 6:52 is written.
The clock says 8:06
